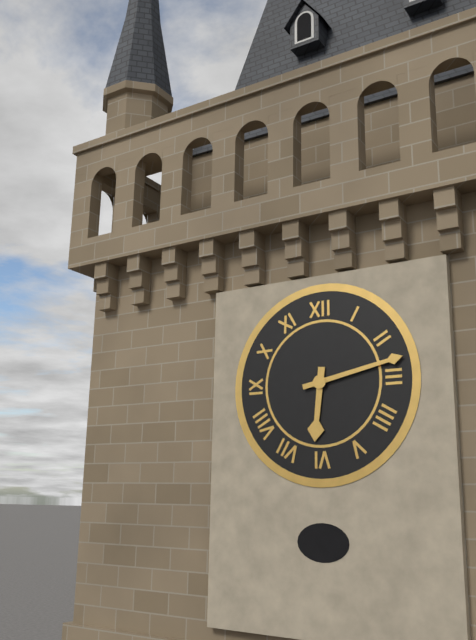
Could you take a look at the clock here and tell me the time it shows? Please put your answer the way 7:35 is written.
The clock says 6:13
